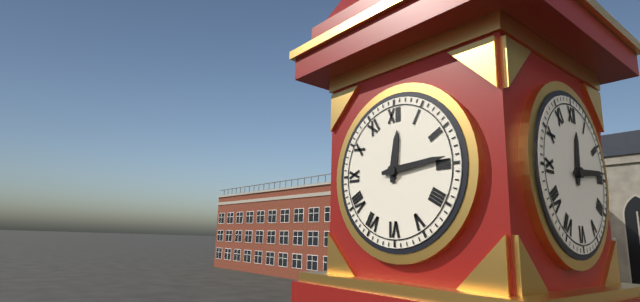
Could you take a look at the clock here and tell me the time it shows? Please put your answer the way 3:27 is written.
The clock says 12:14
